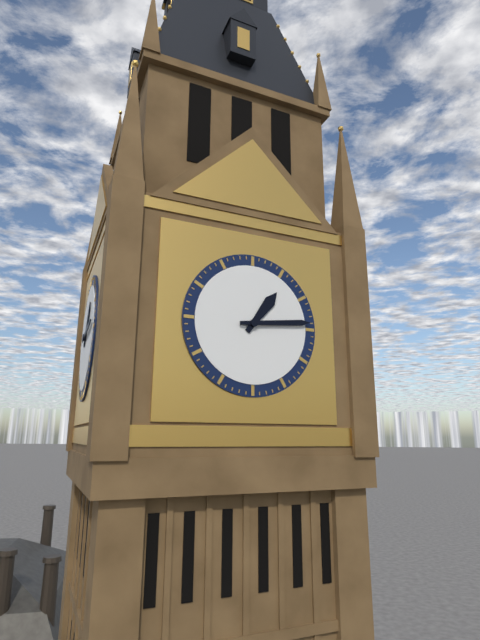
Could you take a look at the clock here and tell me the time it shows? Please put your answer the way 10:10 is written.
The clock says 1:14
